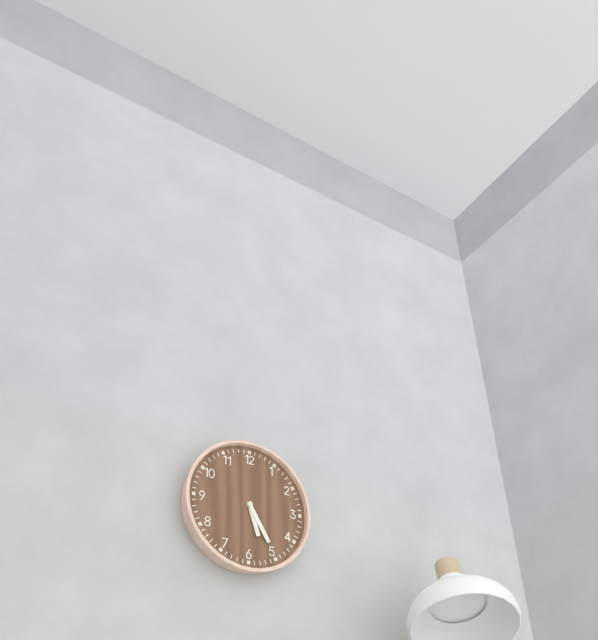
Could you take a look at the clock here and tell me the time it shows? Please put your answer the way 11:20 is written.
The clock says 5:25
